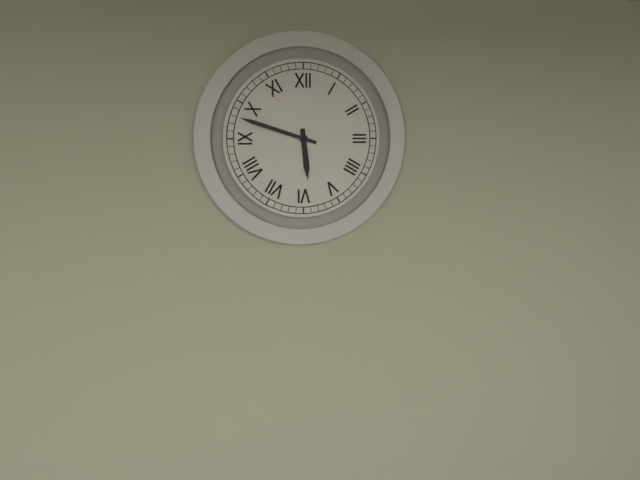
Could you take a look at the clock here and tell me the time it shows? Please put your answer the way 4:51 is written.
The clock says 5:48
